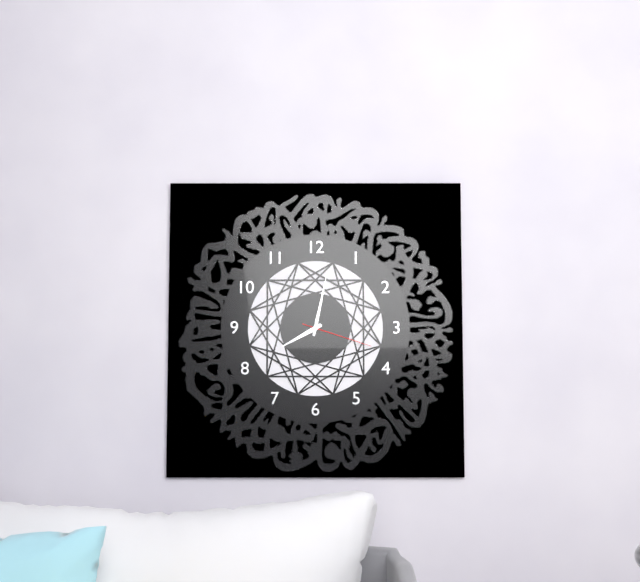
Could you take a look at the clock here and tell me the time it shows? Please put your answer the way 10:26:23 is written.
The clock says 8:02:18
